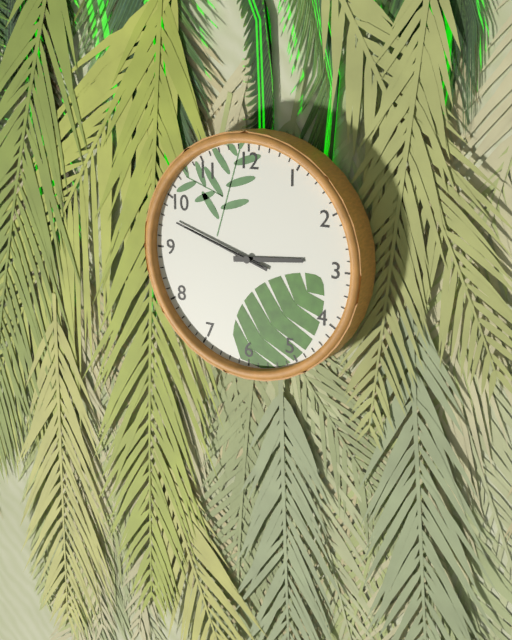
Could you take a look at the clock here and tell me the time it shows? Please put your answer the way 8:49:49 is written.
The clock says 2:48:48
